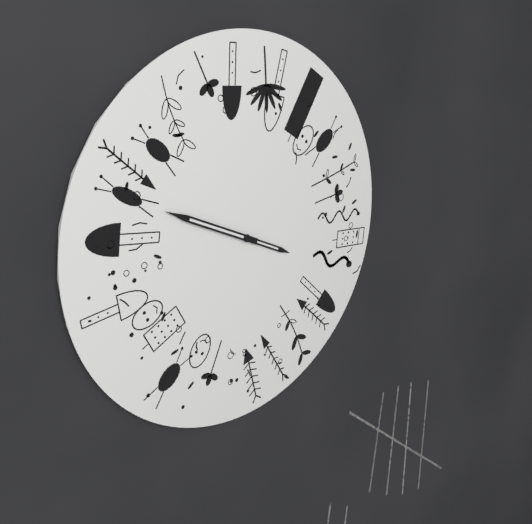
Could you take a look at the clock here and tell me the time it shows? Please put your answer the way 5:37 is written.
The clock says 3:49
